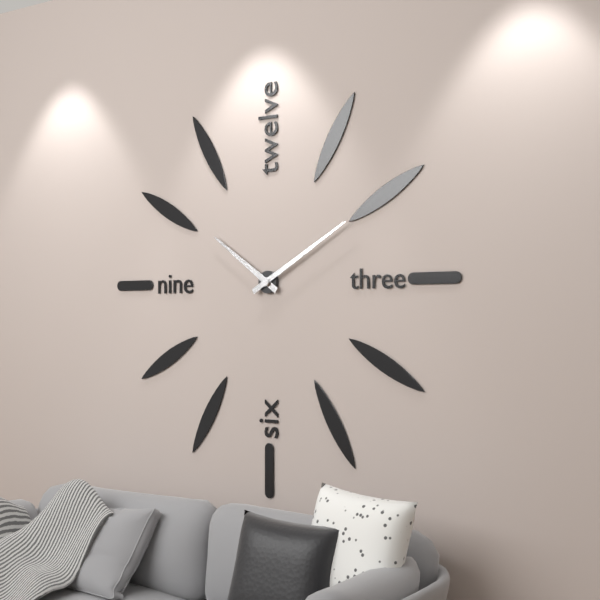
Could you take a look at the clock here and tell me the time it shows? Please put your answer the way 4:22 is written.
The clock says 10:10
